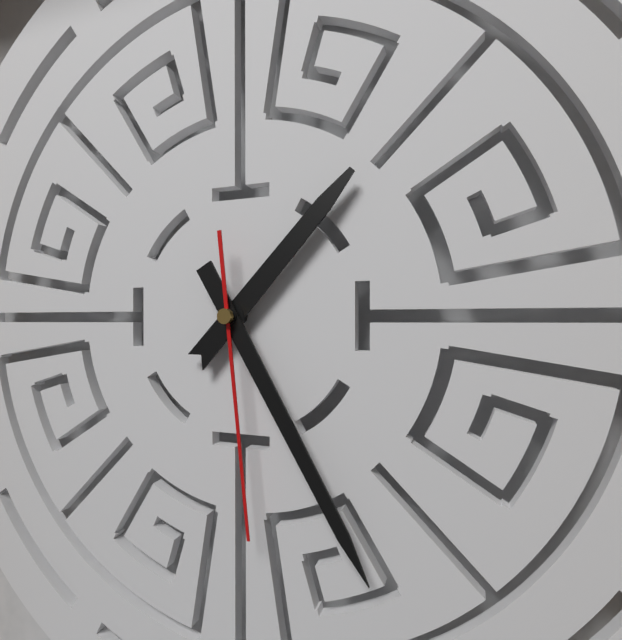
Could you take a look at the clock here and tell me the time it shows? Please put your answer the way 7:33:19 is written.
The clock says 1:25:29
